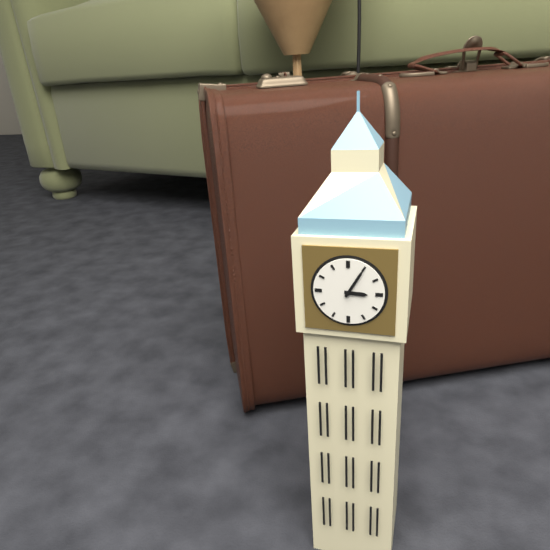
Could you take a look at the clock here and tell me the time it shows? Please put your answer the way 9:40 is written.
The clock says 3:05
